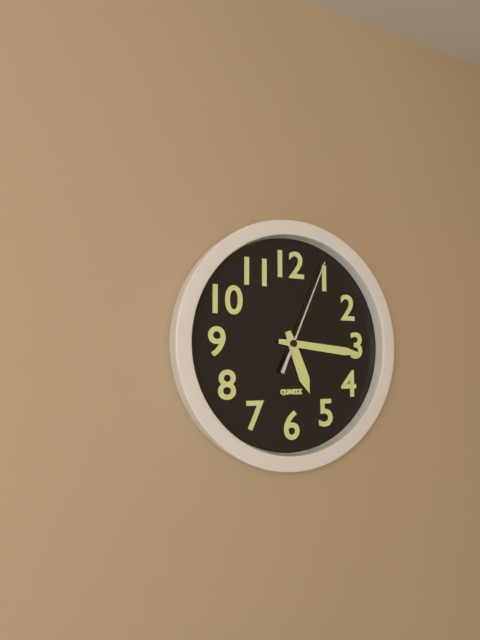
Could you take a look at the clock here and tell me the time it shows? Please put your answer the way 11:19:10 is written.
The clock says 5:16:04
